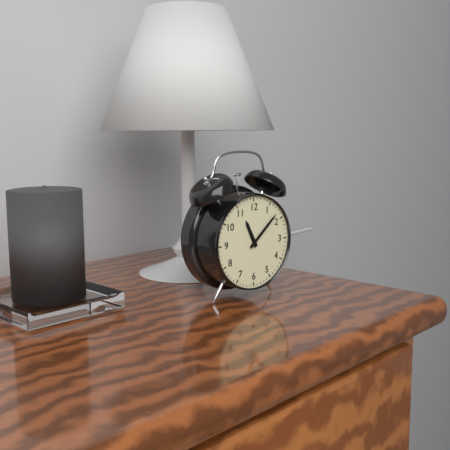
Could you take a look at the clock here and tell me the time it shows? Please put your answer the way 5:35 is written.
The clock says 11:08
